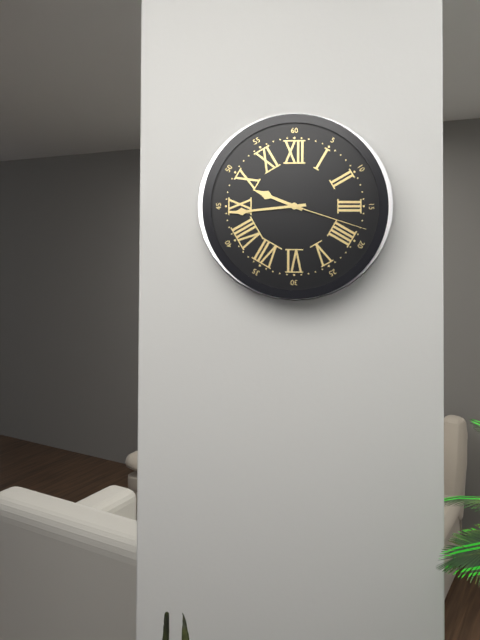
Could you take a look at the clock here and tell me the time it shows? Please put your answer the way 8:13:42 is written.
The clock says 9:44:18
